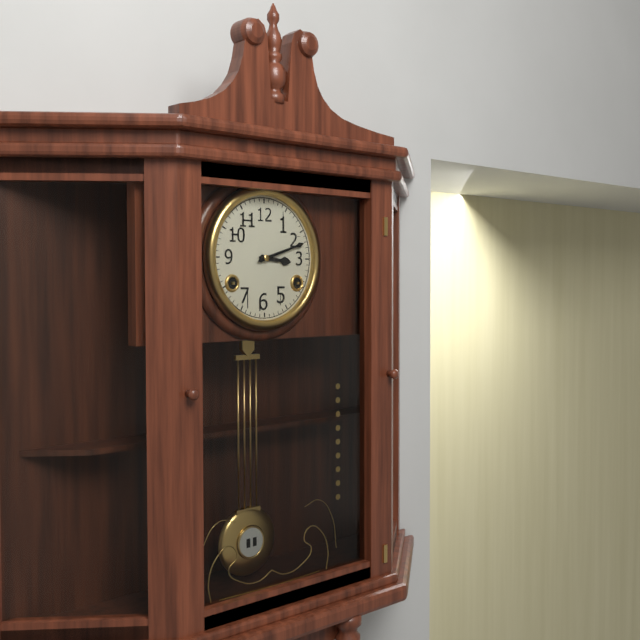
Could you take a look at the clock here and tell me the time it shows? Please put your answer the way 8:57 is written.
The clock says 3:12
